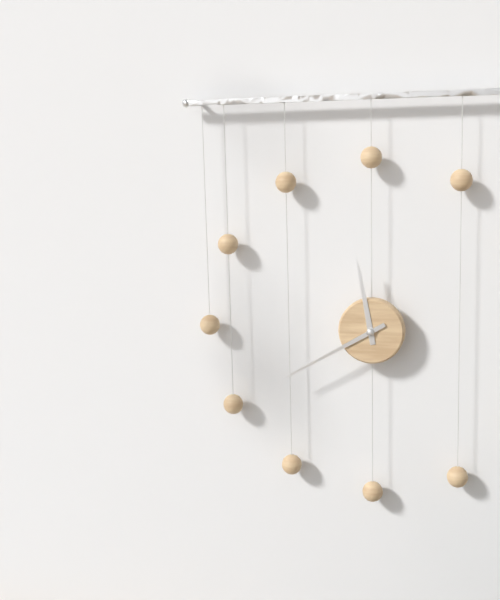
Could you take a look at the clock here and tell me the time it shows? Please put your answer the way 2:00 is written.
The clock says 11:40
